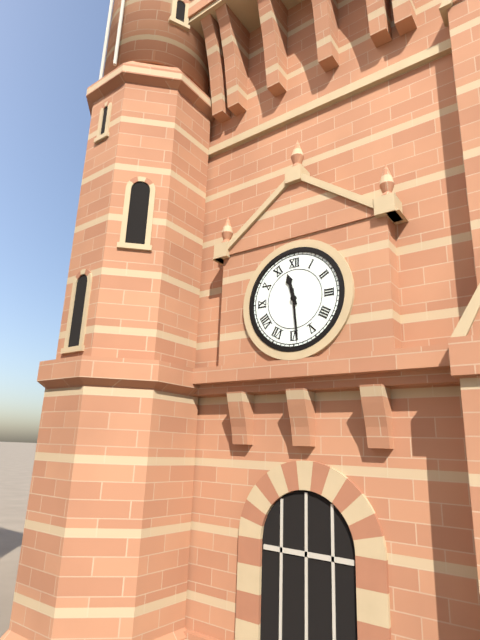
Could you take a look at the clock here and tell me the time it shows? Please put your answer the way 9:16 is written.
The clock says 11:29
